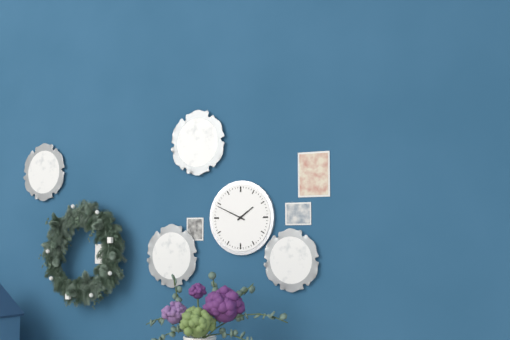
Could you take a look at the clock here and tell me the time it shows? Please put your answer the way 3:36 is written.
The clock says 1:49
